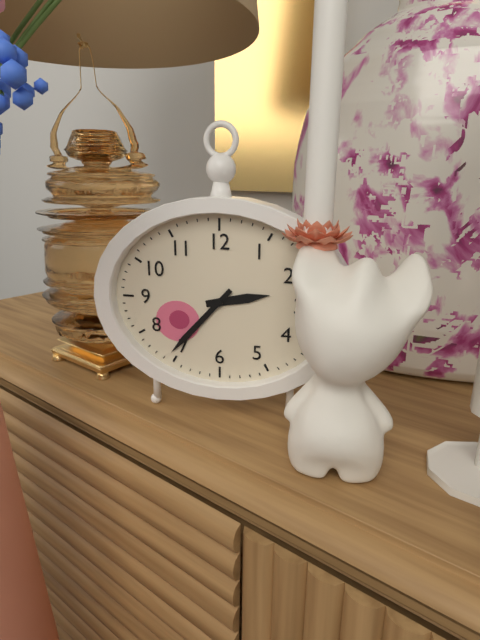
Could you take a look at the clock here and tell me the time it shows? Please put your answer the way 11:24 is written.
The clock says 2:37
